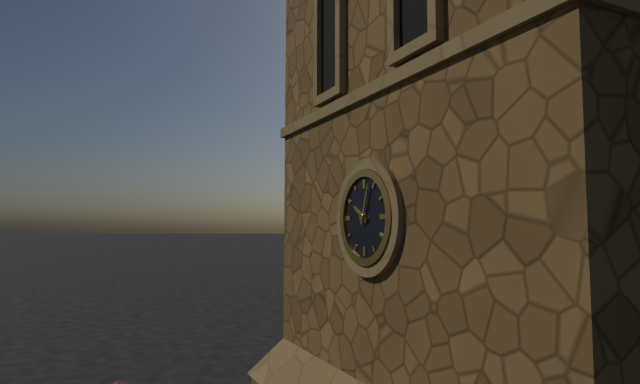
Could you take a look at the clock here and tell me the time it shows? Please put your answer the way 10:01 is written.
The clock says 10:03
